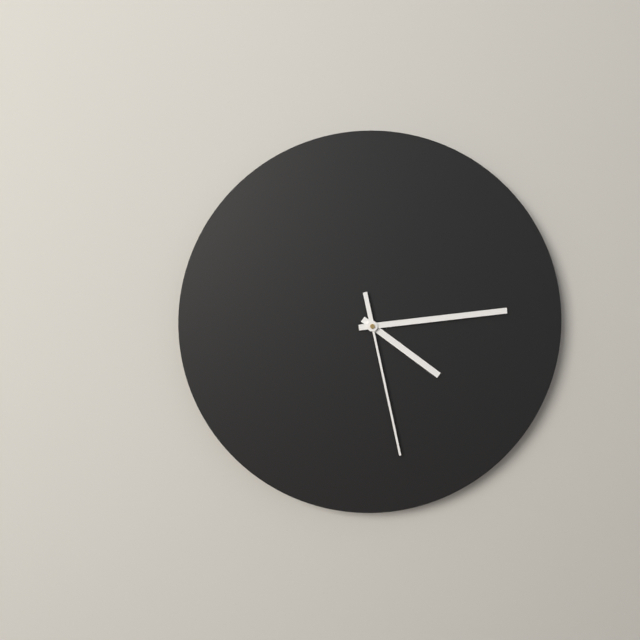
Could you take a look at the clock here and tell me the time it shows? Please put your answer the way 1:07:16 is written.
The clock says 4:14:28
